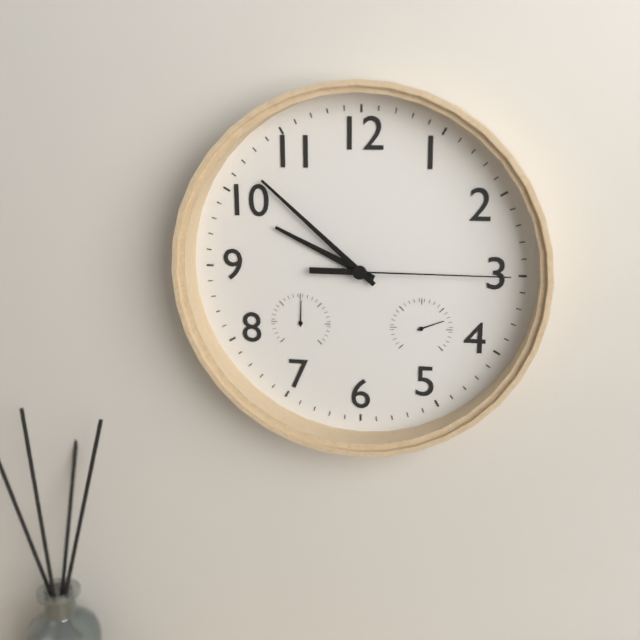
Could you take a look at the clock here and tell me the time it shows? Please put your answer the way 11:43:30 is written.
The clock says 9:52:15
